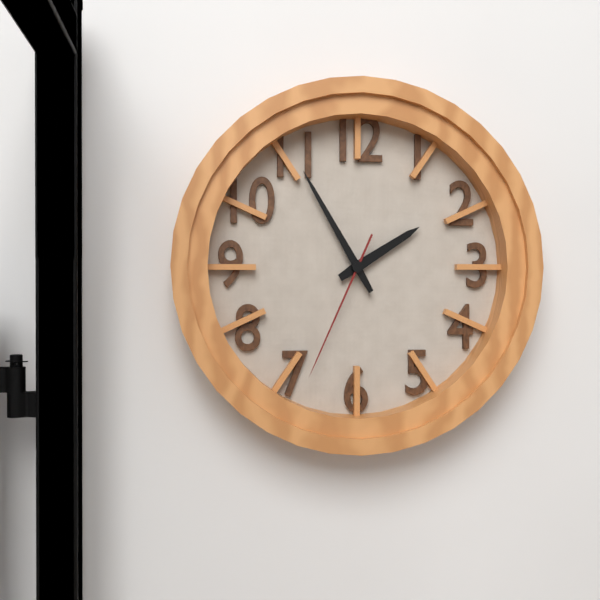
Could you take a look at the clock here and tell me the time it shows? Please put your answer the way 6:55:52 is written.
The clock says 1:55:34
